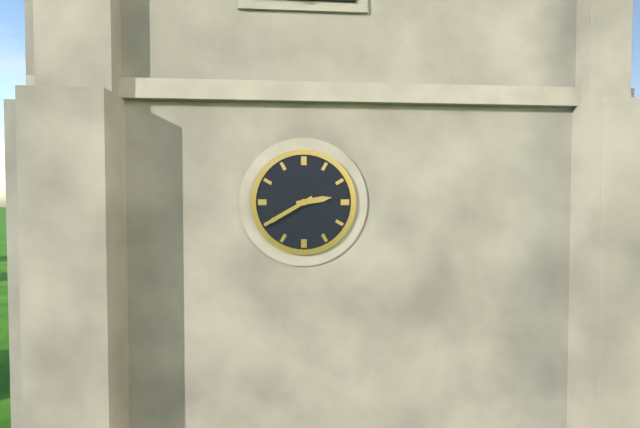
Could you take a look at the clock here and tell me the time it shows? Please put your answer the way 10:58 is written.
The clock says 2:40
